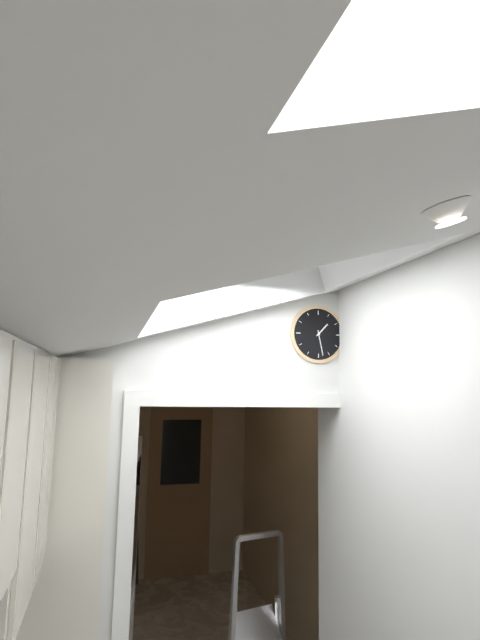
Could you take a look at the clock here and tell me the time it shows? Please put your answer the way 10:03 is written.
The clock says 1:28
